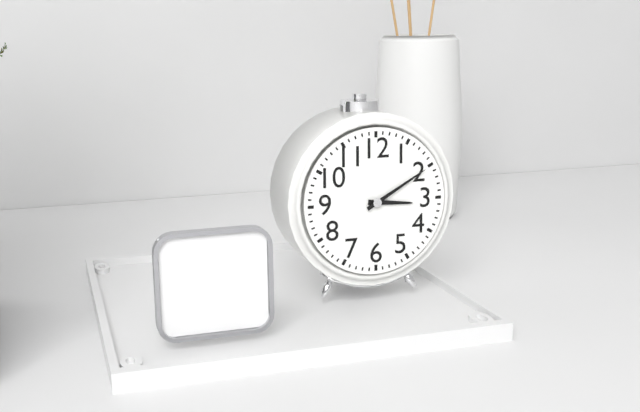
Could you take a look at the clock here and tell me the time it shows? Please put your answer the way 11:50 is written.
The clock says 3:10
